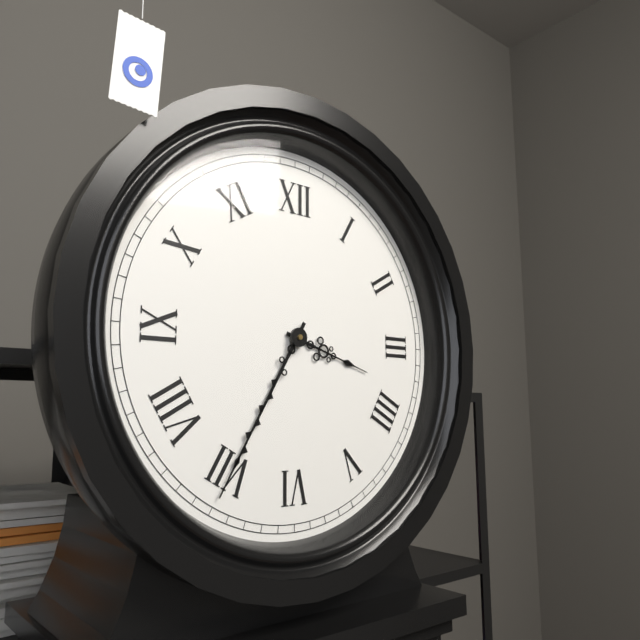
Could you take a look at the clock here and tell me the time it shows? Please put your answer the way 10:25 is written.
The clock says 3:35
